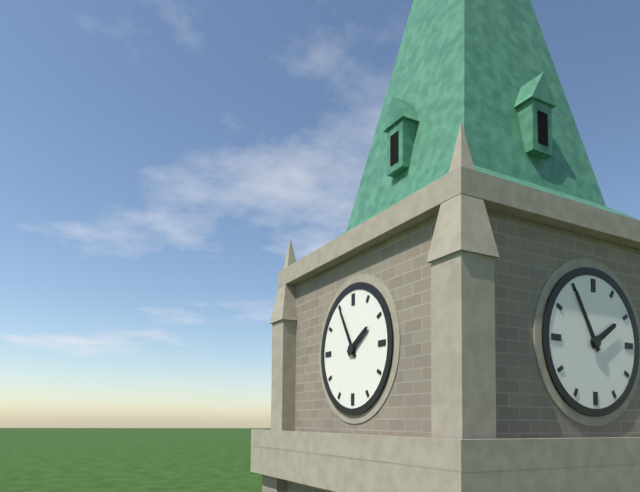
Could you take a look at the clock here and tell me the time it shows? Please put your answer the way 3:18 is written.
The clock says 1:55
